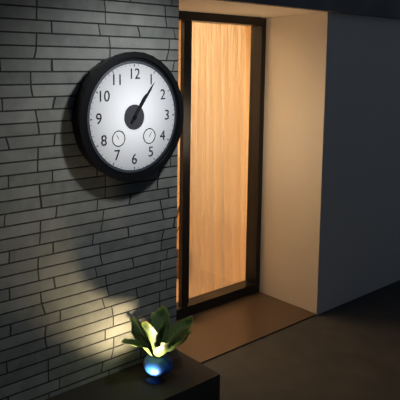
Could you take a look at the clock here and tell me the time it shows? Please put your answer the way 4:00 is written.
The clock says 1:06
